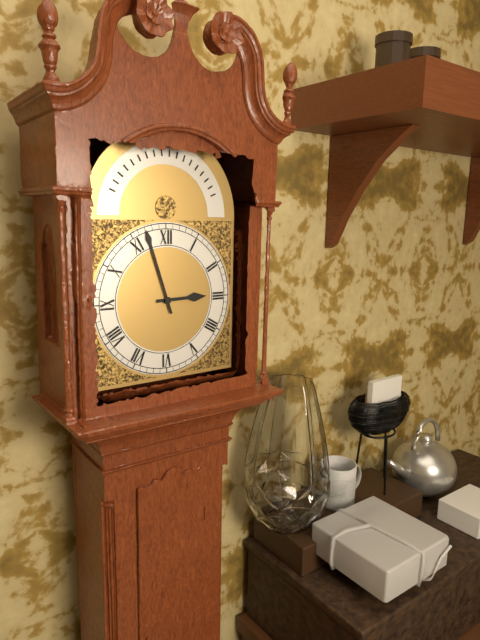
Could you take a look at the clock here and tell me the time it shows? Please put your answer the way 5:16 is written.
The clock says 2:57
